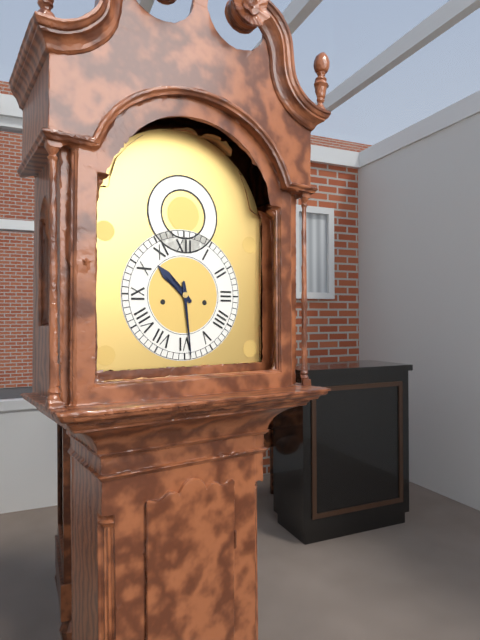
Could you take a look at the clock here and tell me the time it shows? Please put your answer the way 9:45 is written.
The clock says 10:29
